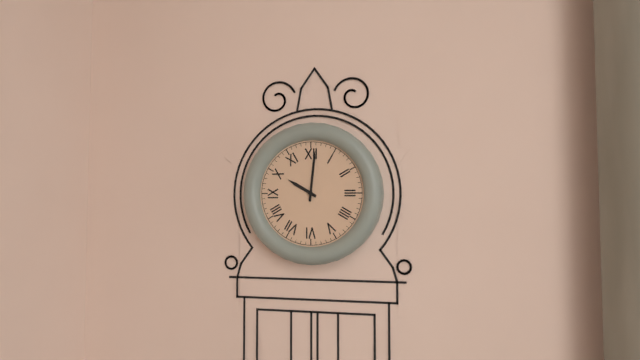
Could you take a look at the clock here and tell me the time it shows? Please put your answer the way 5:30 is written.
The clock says 10:01
